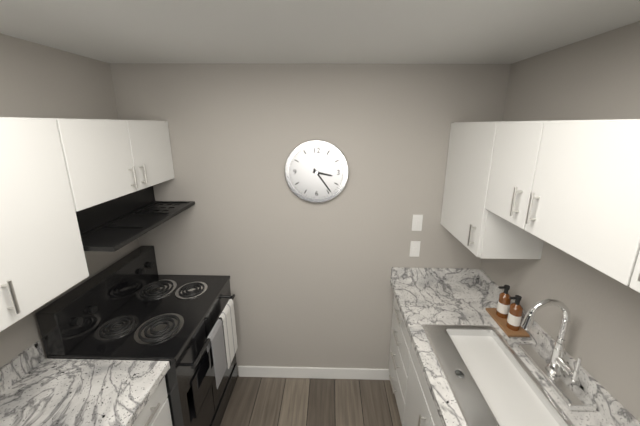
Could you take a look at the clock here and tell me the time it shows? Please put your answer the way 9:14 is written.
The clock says 3:24
